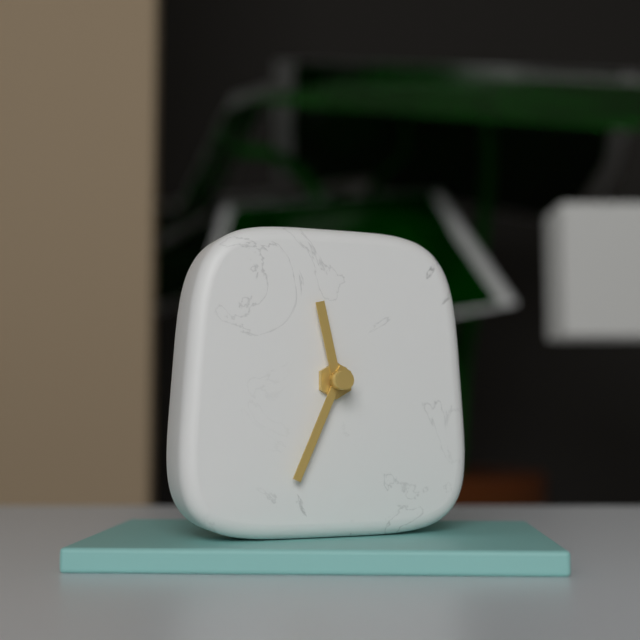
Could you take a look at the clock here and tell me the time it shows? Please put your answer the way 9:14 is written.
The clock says 11:34
